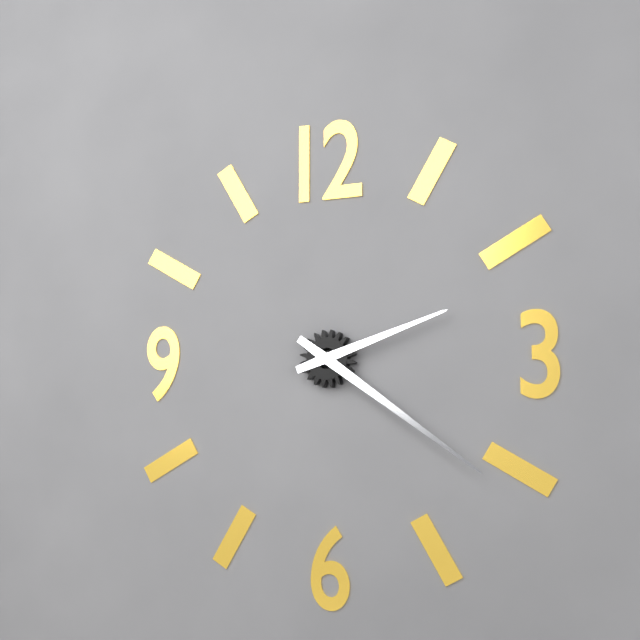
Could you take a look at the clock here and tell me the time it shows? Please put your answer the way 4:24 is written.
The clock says 2:21
